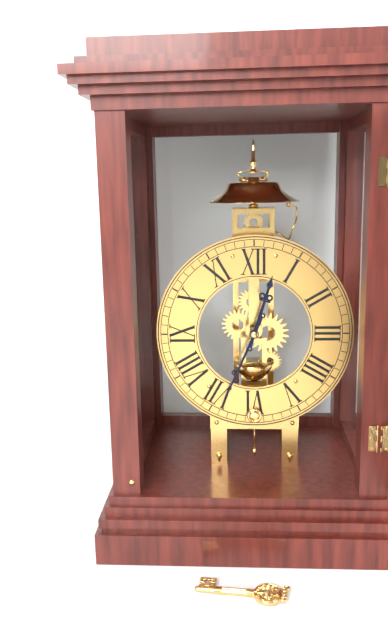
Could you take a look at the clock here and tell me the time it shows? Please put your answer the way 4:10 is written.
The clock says 12:34
